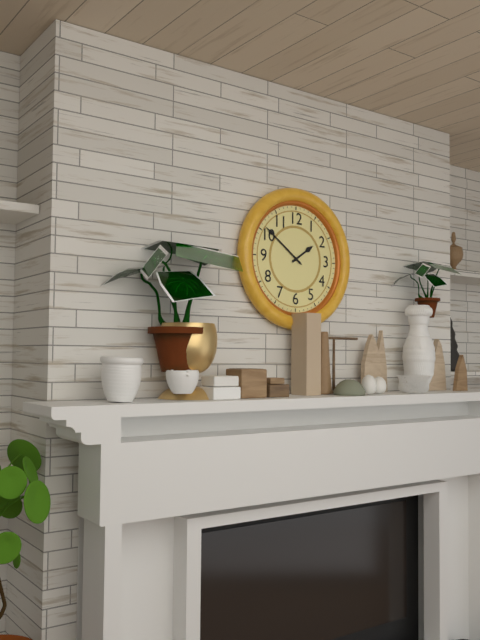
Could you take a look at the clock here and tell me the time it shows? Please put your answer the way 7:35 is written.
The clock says 1:51
